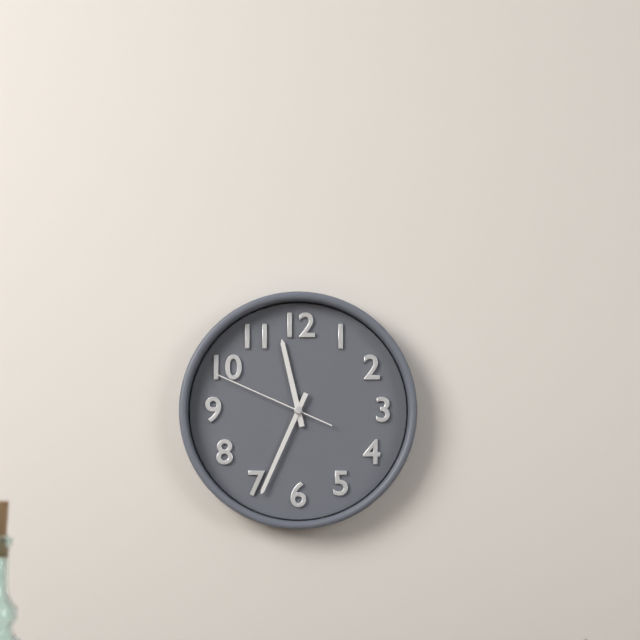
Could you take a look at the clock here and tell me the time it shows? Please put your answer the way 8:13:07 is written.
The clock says 11:34:49
